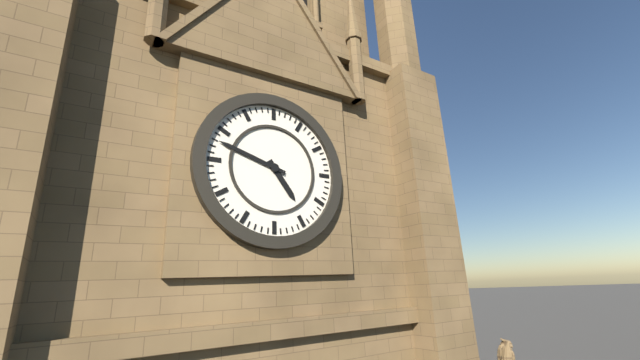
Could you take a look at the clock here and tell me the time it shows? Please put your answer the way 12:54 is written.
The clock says 4:48
